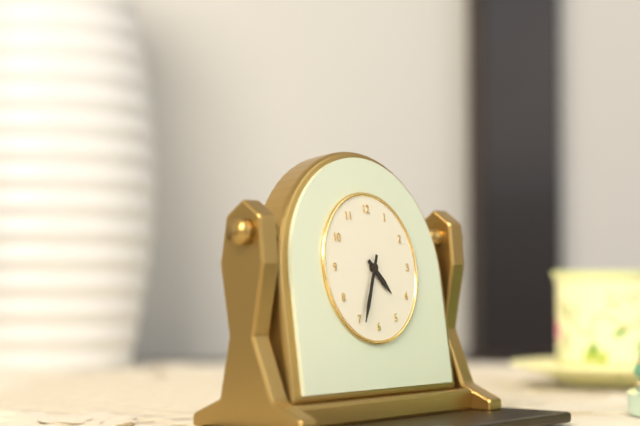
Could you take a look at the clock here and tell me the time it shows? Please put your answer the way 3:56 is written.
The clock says 4:34
